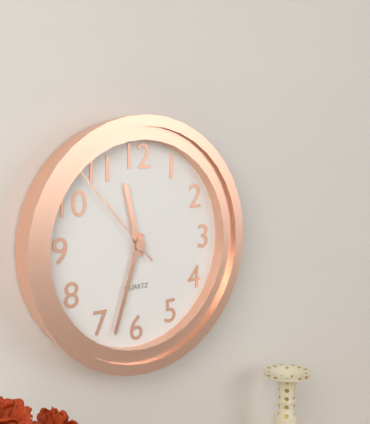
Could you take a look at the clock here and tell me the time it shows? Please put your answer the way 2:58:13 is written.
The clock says 11:33:53
